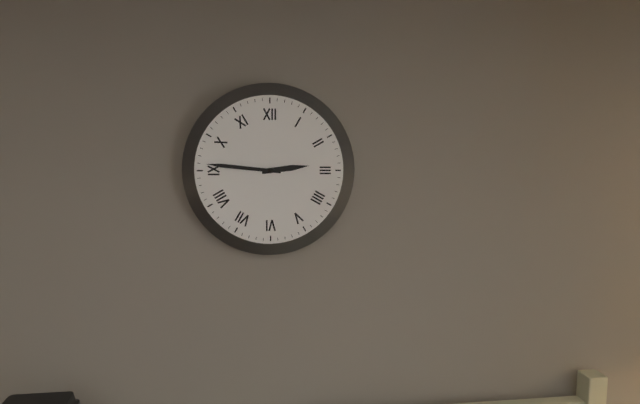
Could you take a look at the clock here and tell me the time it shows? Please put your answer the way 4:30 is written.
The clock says 2:46
